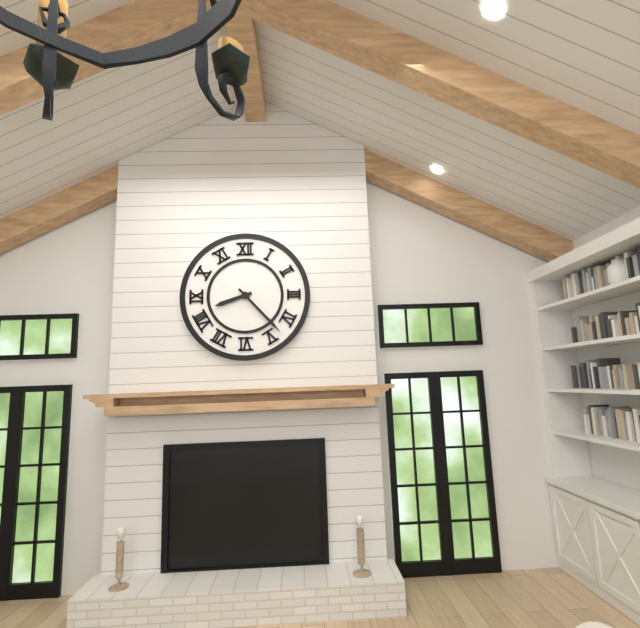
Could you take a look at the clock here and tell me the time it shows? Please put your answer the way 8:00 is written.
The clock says 8:23
